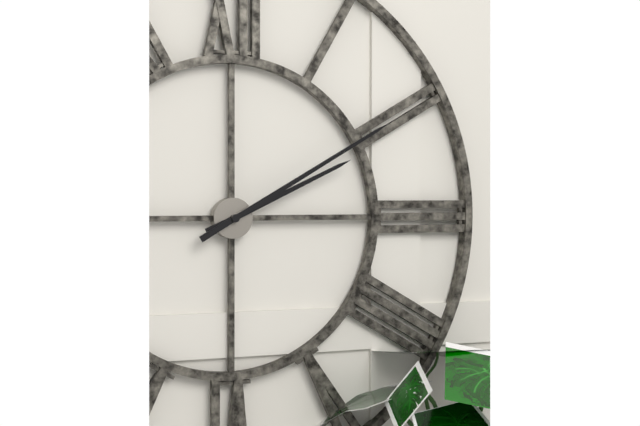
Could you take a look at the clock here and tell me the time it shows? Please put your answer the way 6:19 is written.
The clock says 2:10
